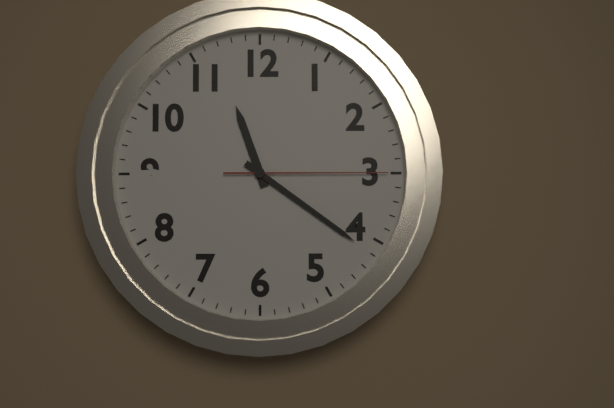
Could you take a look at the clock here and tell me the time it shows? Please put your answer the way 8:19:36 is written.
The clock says 11:21:15
